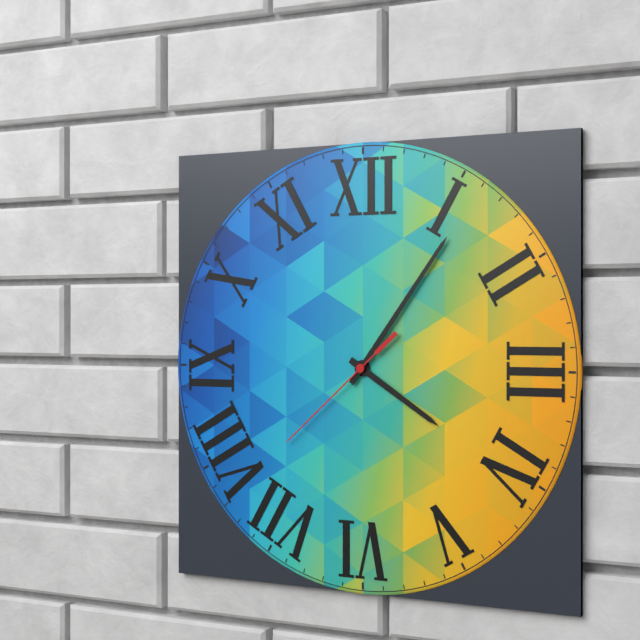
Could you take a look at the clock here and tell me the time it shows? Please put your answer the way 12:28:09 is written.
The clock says 4:06:38
